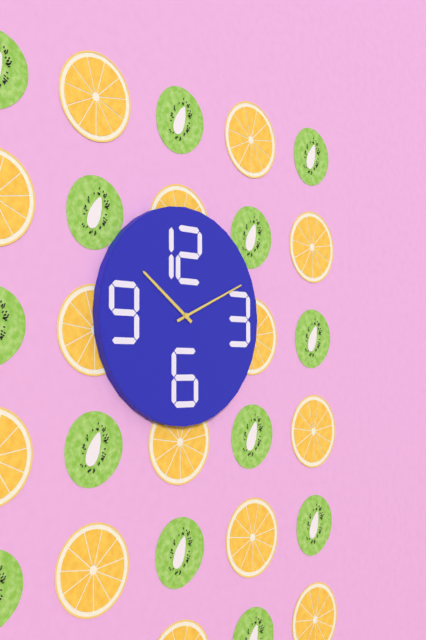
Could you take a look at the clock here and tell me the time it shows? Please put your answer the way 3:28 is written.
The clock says 10:11
